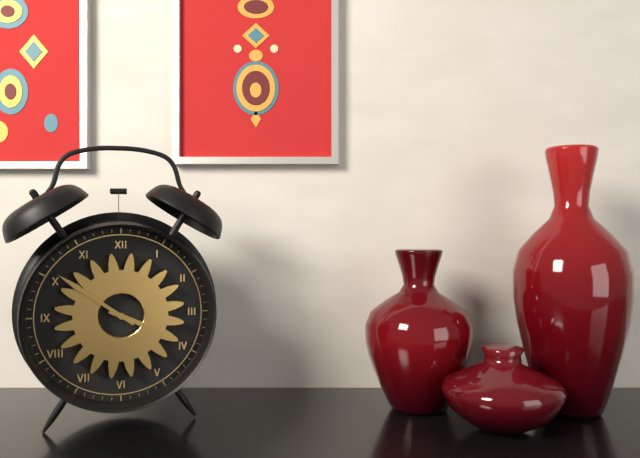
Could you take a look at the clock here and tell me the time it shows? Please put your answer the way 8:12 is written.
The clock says 3:51
